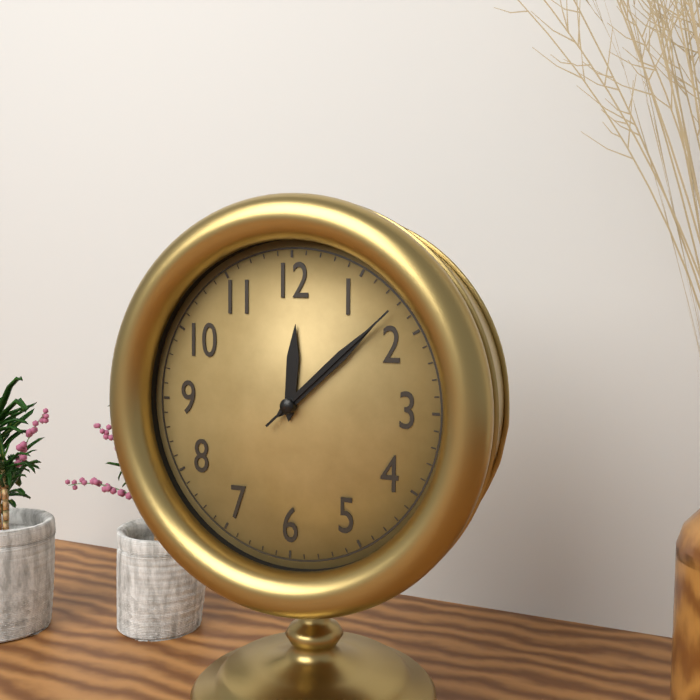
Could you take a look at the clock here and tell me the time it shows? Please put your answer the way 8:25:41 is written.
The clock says 12:08:08
